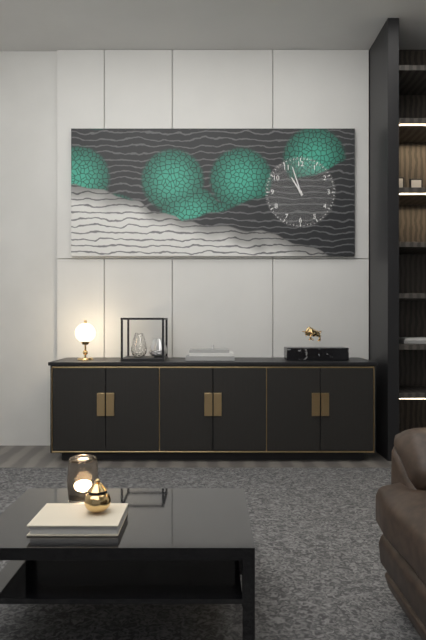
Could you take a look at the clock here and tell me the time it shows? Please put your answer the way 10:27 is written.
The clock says 10:57
